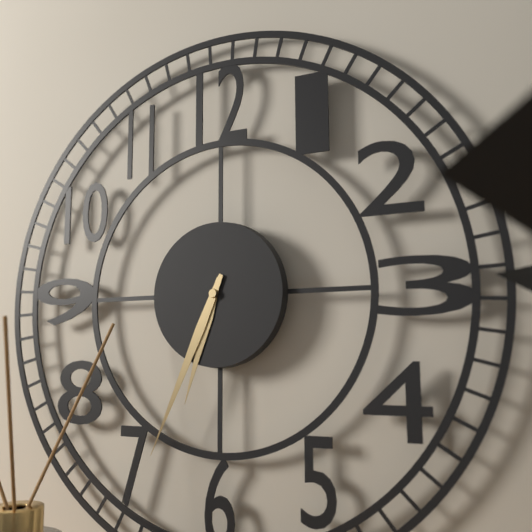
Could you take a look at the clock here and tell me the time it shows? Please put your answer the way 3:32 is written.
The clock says 6:34
